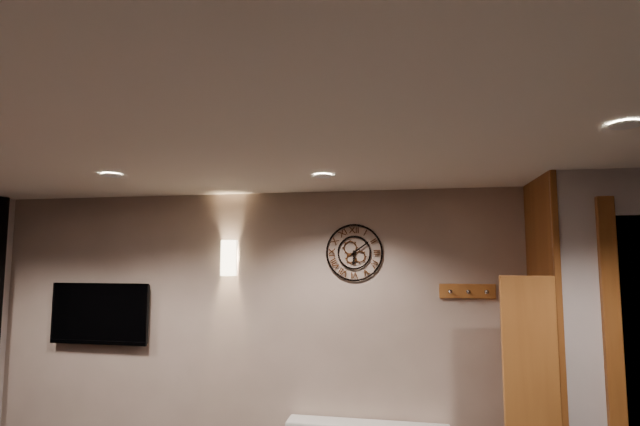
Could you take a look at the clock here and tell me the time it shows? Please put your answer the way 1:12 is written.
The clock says 6:09
